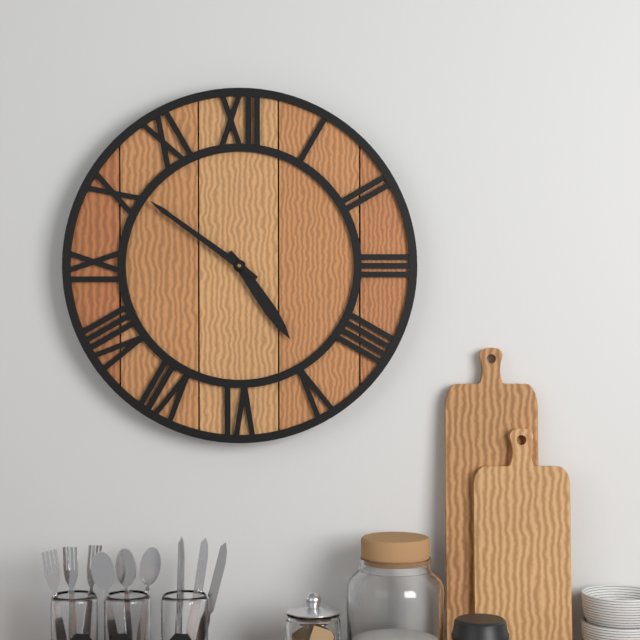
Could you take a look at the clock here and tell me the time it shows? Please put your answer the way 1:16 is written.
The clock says 4:51
